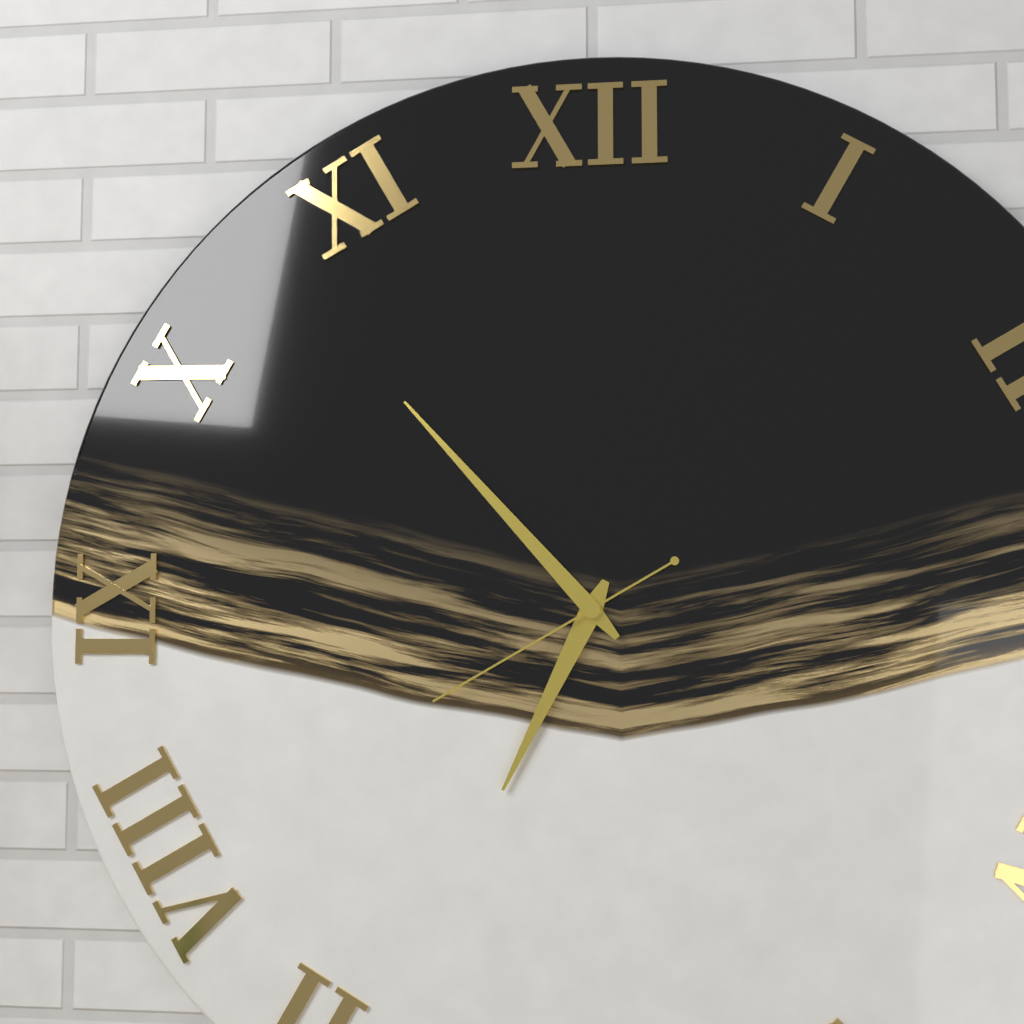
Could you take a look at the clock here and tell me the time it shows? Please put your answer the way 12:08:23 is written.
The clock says 6:53:40
